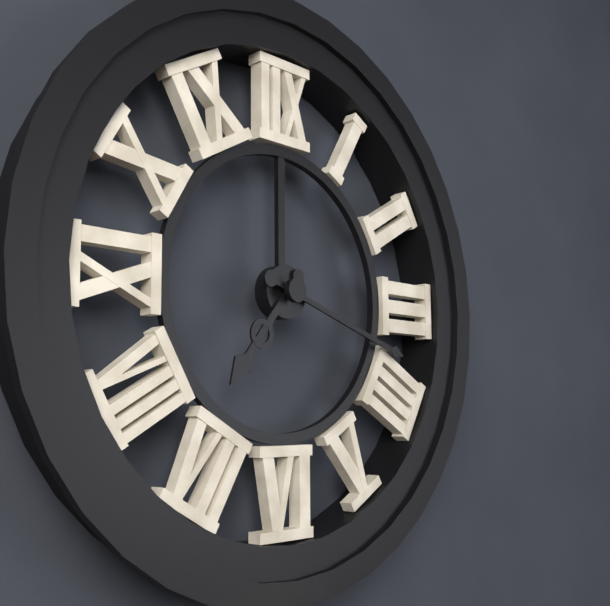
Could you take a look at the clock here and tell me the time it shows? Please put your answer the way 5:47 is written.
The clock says 7:18
